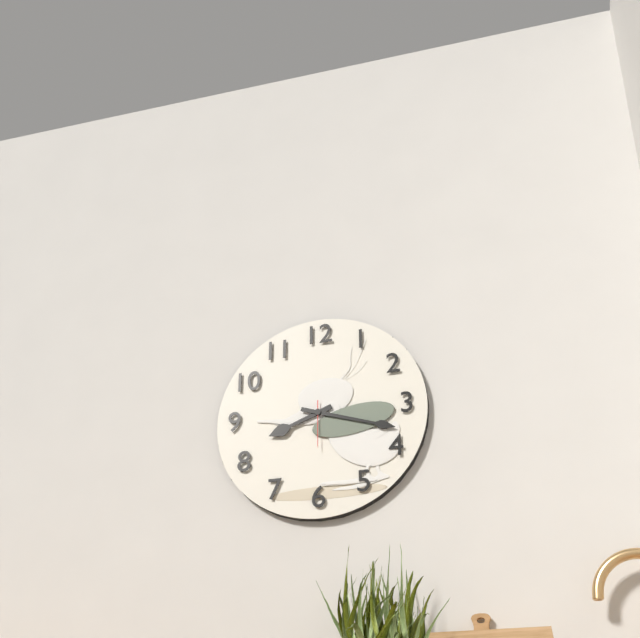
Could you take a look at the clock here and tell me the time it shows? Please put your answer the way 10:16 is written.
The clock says 8:18
